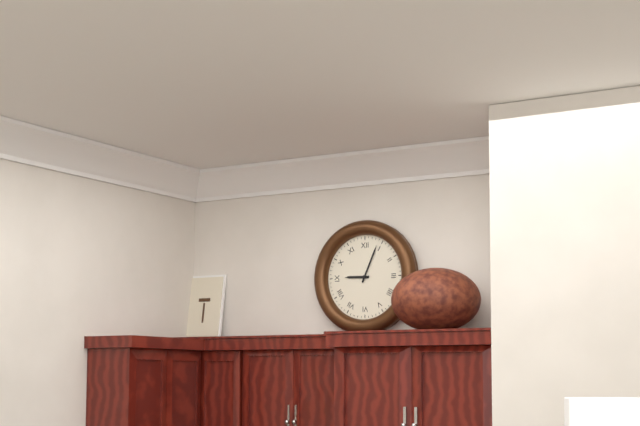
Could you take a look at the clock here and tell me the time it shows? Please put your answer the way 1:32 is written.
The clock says 9:04
